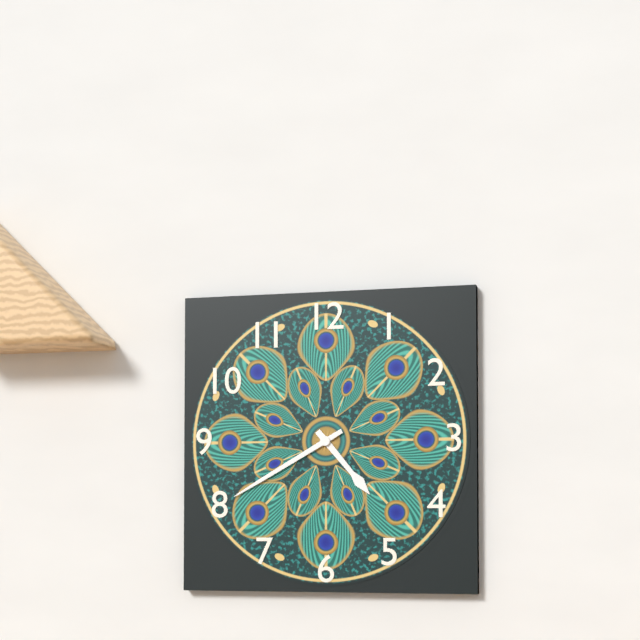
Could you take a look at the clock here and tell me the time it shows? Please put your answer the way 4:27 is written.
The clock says 4:40
